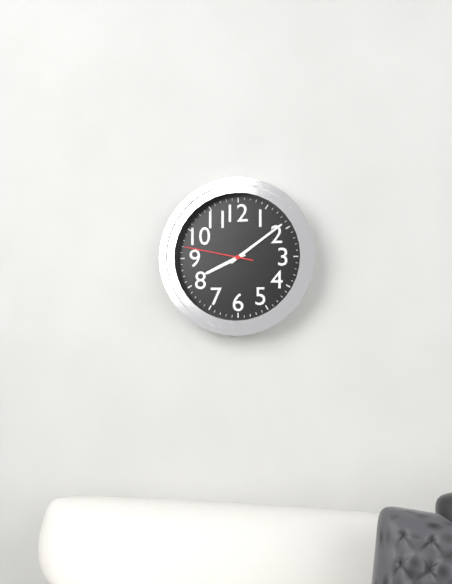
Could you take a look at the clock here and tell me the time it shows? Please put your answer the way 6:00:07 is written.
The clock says 8:09:47
